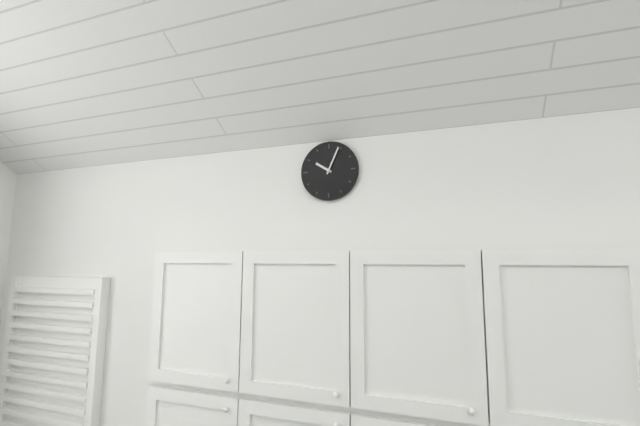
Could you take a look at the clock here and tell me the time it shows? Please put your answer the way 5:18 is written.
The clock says 10:04
